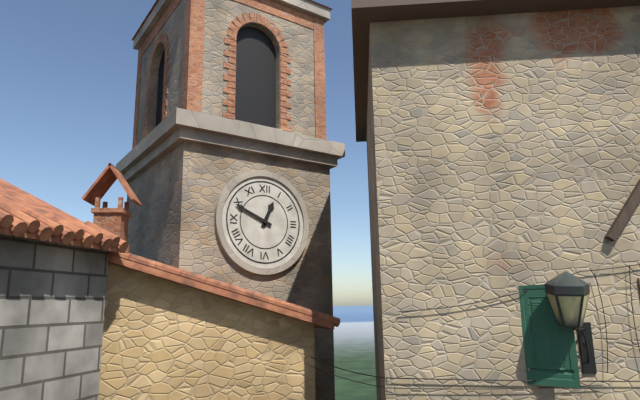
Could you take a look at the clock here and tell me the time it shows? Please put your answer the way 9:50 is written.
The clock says 12:49
